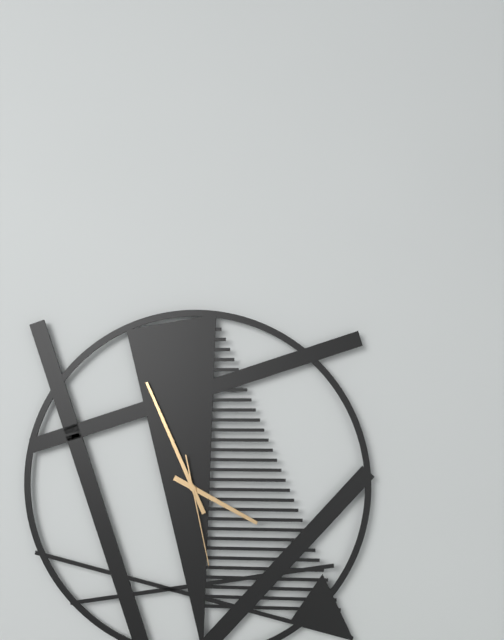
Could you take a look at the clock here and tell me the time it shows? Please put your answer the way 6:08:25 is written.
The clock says 3:56:28
